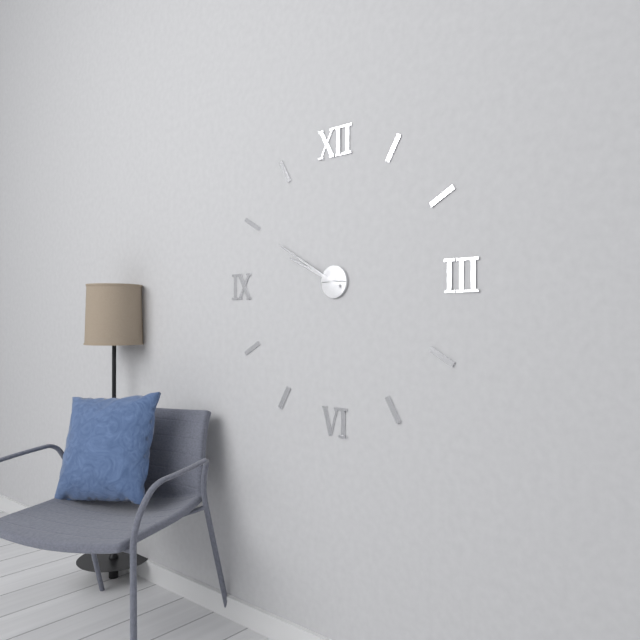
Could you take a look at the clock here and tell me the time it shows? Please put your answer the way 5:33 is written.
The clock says 9:50
